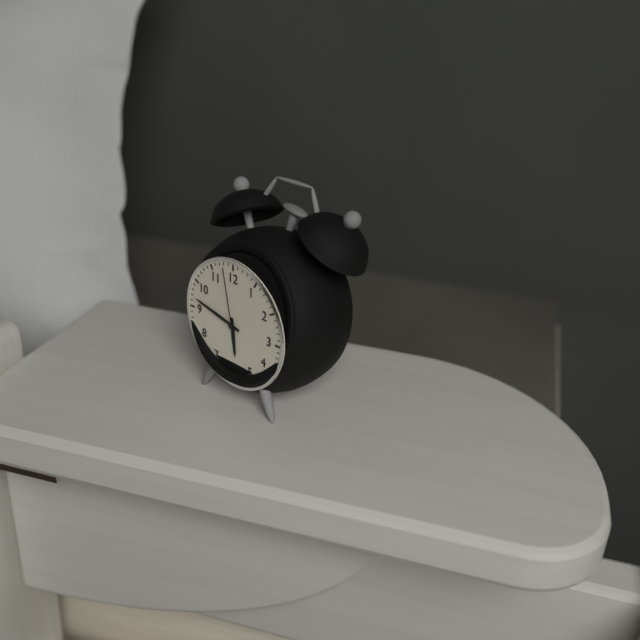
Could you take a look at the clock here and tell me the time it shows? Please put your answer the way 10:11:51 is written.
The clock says 5:47:58
